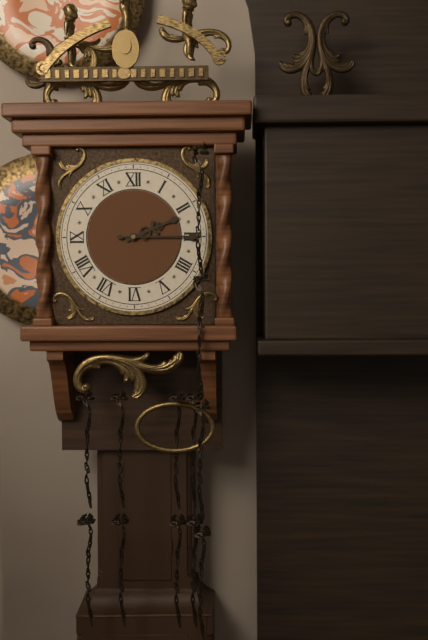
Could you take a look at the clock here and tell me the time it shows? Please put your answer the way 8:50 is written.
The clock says 2:15
